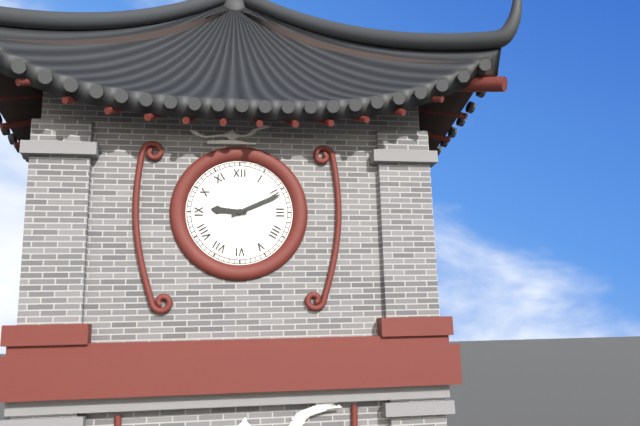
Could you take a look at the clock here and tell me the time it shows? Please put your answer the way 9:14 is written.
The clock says 9:11
